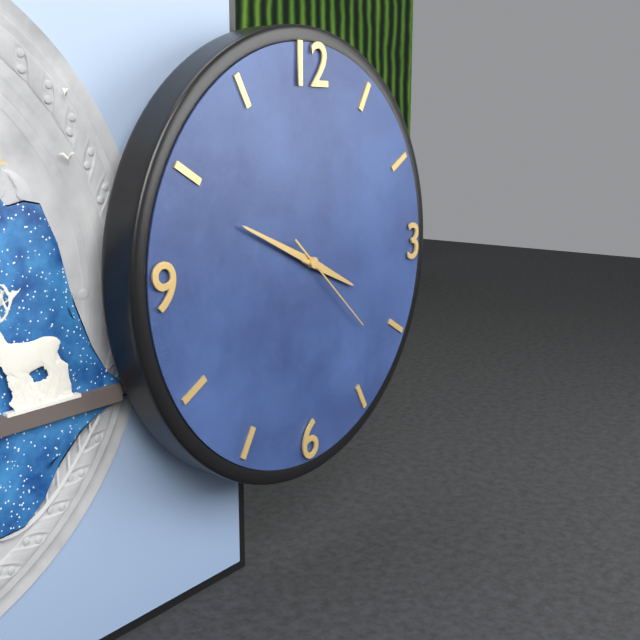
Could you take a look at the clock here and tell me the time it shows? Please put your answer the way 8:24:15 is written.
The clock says 3:49:22
